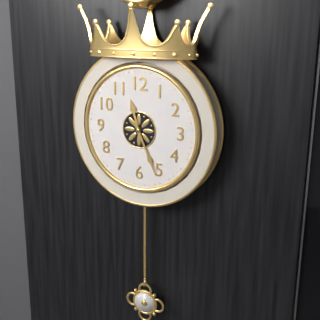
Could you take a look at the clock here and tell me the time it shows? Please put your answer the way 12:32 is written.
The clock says 11:26
